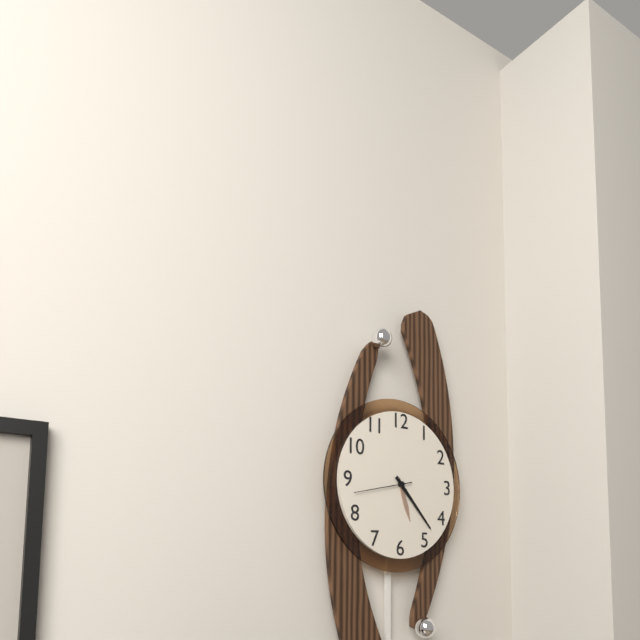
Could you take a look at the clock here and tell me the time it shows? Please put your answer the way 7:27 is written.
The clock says 5:23
